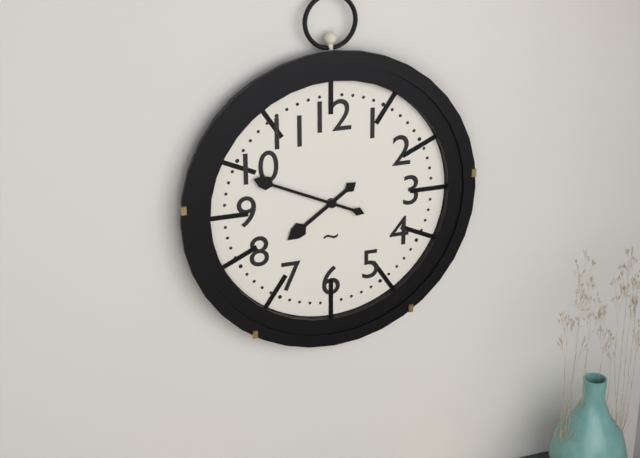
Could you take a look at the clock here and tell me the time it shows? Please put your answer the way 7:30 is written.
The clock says 7:49
